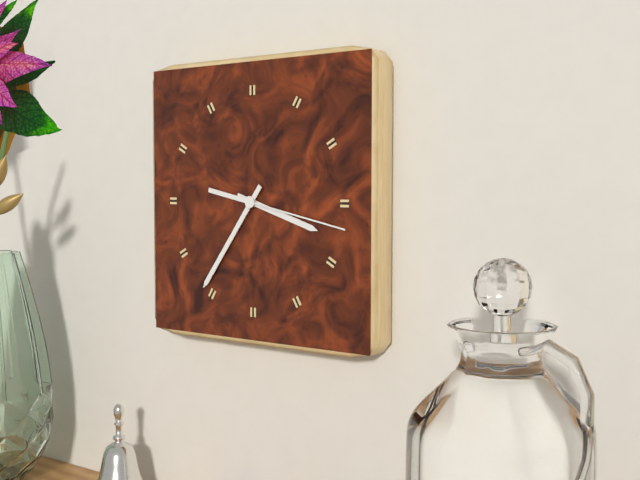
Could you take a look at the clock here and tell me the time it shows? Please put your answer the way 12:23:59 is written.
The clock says 3:36:17
